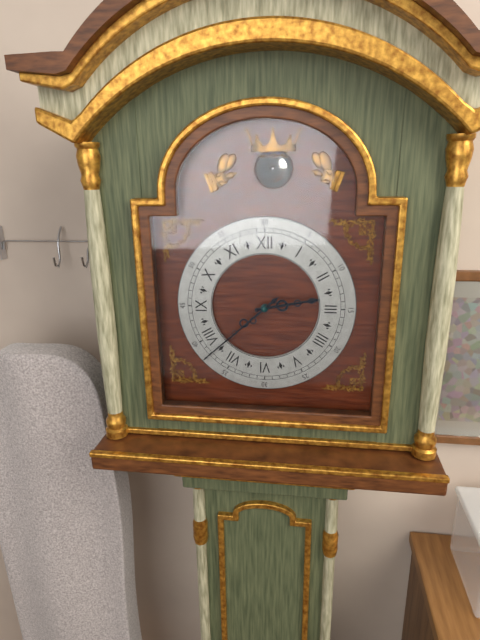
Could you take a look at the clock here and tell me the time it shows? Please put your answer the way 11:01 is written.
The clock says 2:38
